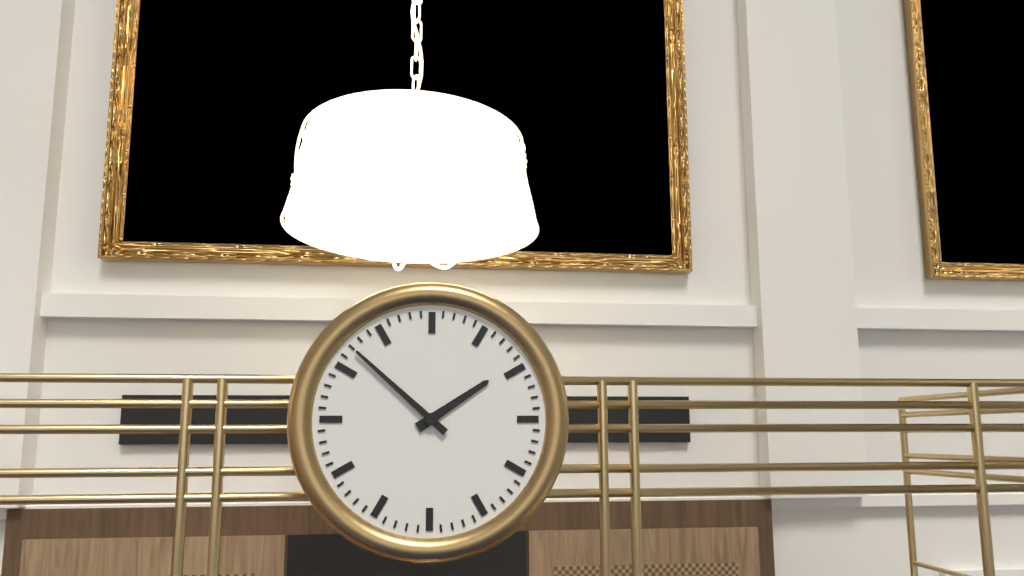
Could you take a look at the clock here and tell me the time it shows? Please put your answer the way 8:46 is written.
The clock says 1:52
